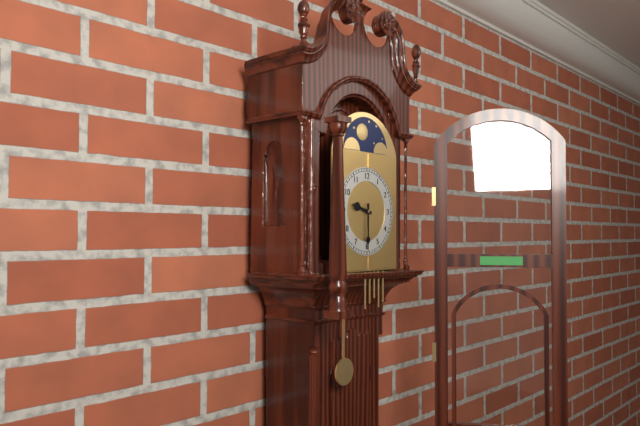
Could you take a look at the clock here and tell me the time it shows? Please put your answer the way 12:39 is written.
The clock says 9:30
